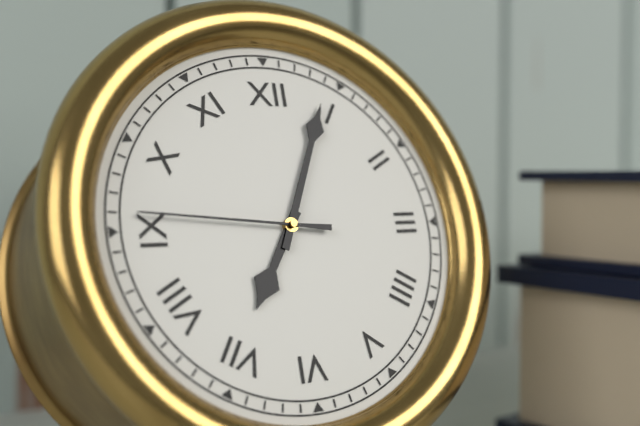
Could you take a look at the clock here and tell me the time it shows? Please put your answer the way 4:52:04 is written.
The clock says 7:04:46
